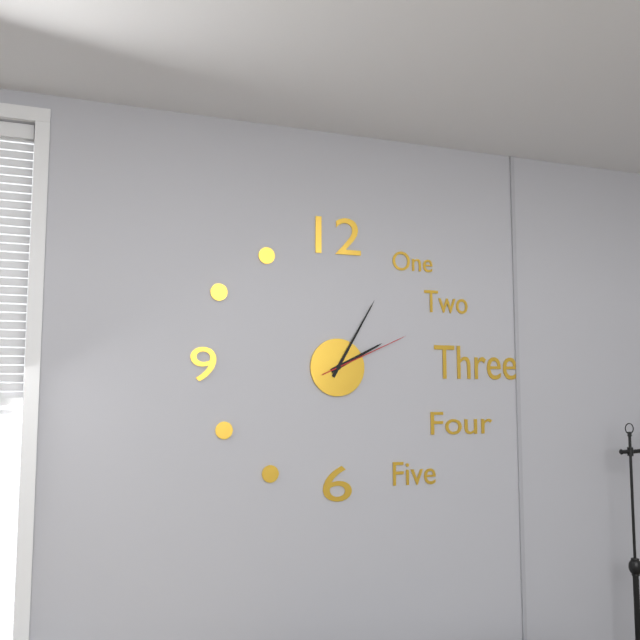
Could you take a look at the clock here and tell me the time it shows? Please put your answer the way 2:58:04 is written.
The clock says 2:05:11
